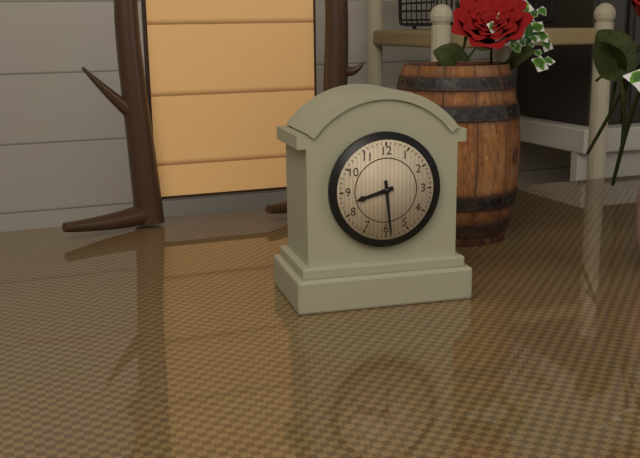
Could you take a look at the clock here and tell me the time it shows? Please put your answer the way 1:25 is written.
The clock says 8:29
